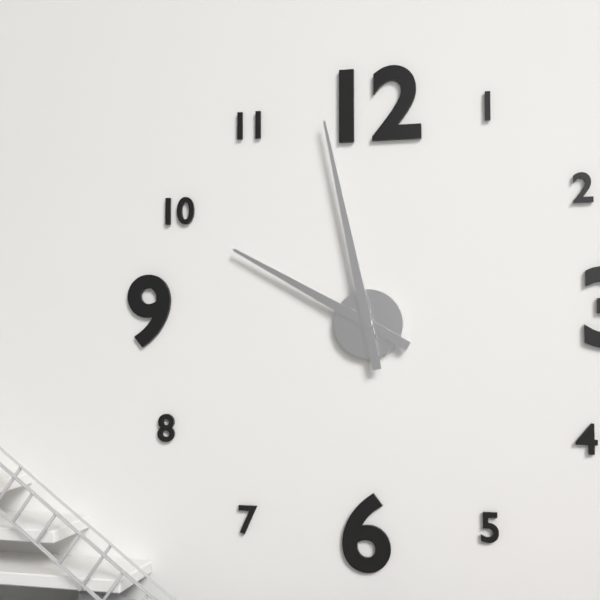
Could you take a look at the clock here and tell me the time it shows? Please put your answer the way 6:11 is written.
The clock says 9:58
